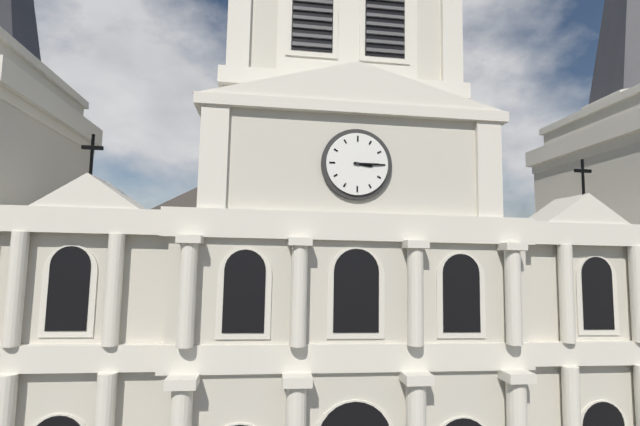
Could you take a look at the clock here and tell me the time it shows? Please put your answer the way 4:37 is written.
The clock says 3:15
